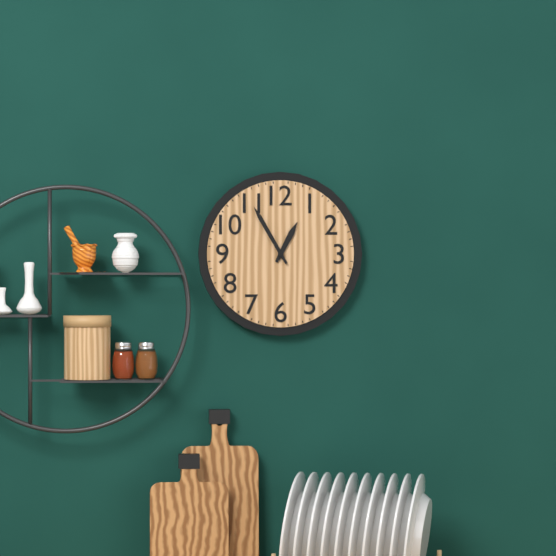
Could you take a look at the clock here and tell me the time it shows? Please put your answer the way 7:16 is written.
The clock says 12:55
